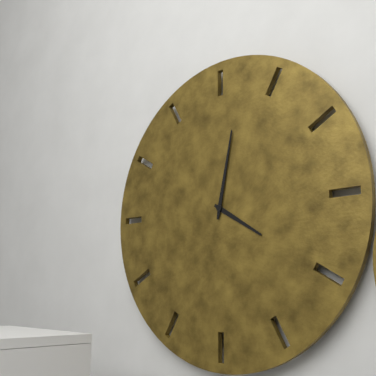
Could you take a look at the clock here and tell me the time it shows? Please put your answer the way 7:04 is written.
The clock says 4:02
